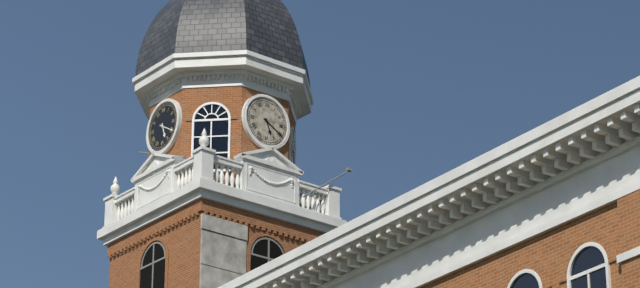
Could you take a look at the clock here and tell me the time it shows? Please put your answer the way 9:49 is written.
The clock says 5:20
